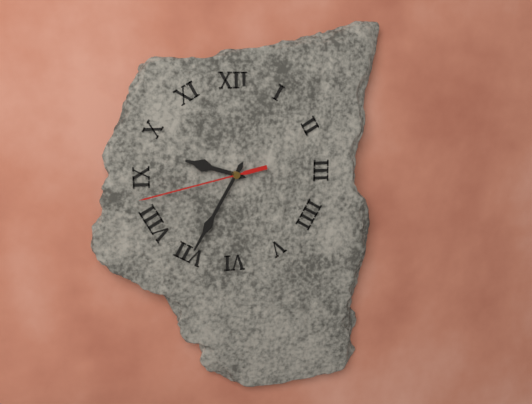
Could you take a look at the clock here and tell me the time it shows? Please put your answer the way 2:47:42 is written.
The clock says 9:35:43
